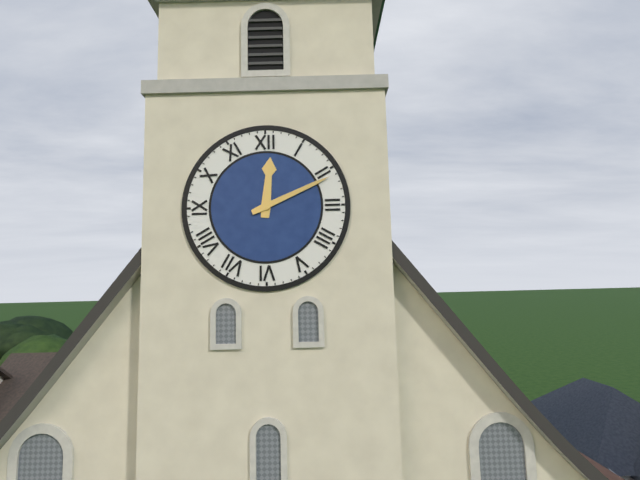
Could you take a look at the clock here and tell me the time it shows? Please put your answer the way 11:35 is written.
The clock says 12:11
